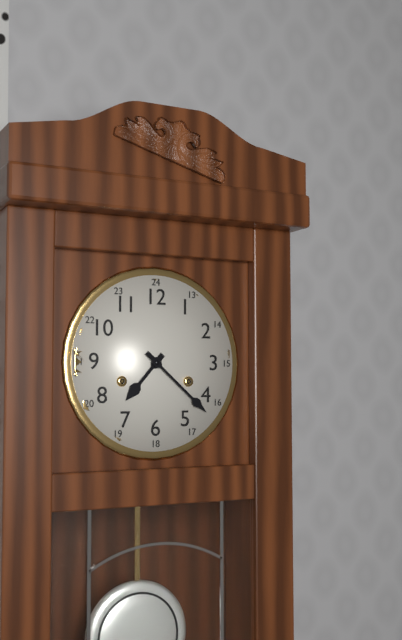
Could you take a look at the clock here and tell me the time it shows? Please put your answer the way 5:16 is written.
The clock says 7:22
